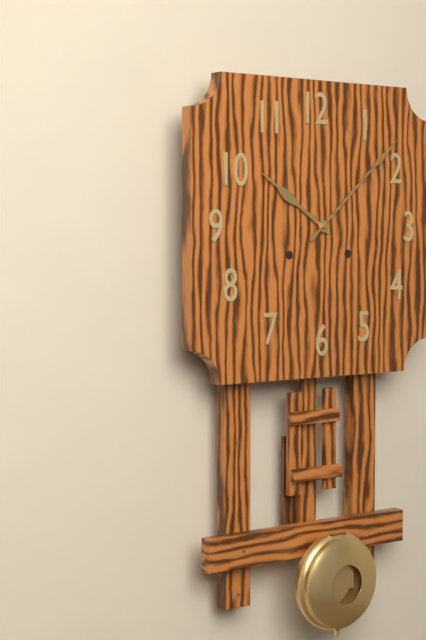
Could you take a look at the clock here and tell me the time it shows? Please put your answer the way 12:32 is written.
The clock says 10:08
